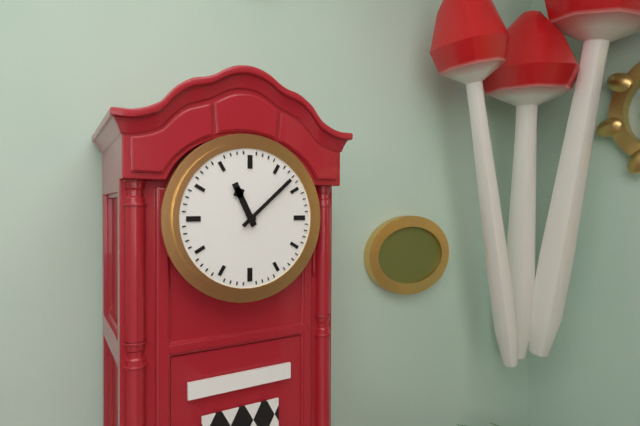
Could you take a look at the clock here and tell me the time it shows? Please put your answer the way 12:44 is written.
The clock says 11:08
